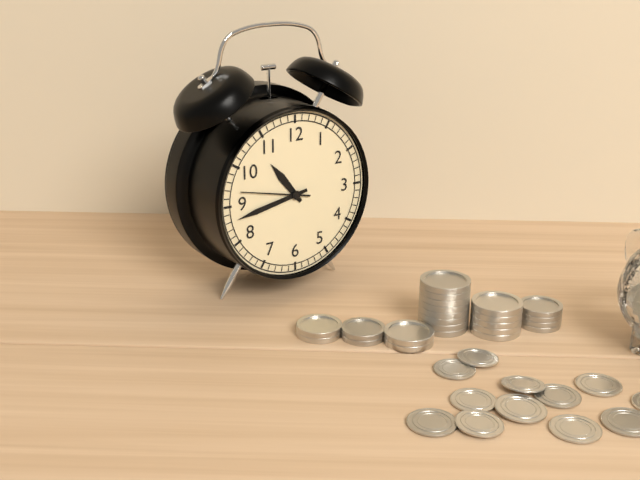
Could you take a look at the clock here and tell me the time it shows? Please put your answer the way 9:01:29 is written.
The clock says 10:43:47
